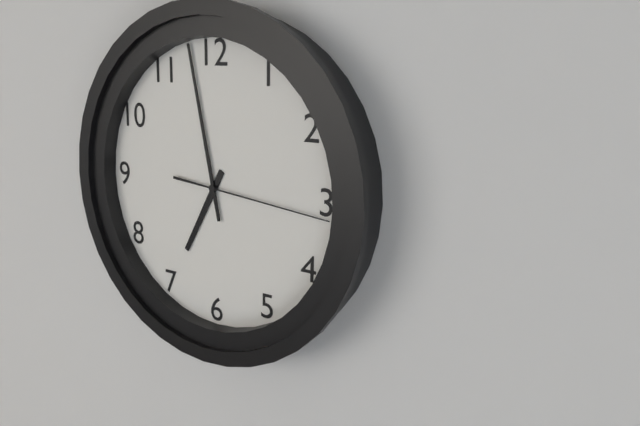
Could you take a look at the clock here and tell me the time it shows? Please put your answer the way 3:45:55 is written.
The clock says 6:58:16
